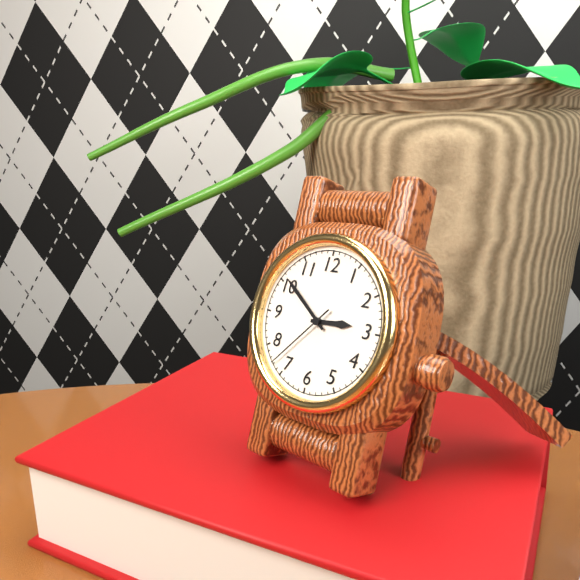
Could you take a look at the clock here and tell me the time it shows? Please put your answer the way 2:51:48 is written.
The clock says 2:51:37
